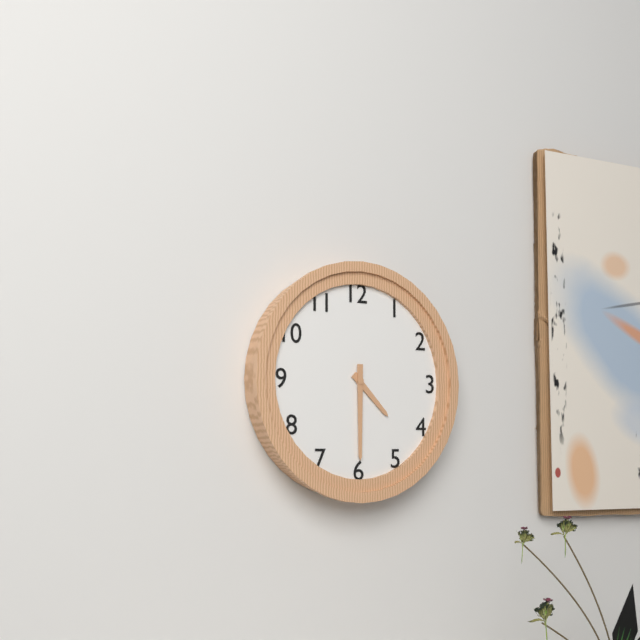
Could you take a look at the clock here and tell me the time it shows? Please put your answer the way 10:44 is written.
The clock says 4:30
